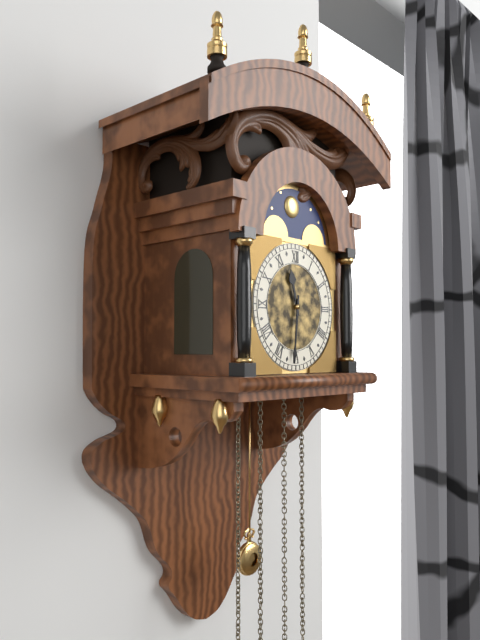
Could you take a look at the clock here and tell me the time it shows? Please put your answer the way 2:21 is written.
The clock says 11:31
